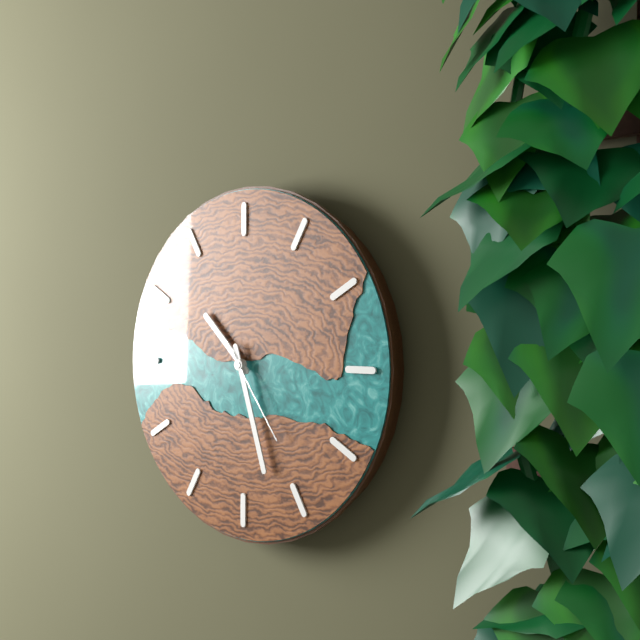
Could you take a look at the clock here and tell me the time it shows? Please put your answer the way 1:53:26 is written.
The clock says 10:27:24
